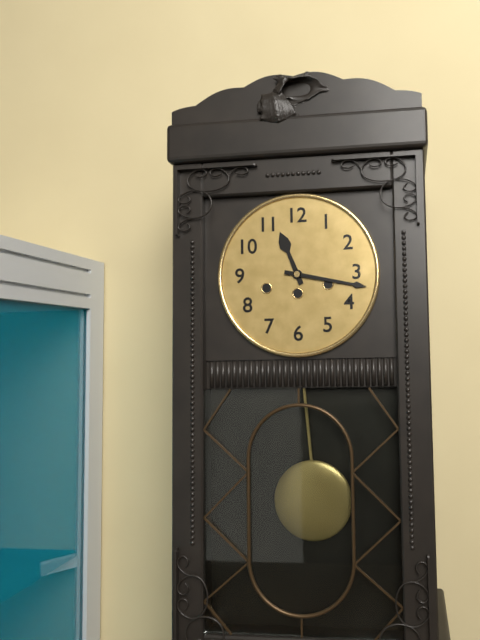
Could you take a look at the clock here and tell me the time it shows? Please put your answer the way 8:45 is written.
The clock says 11:17
